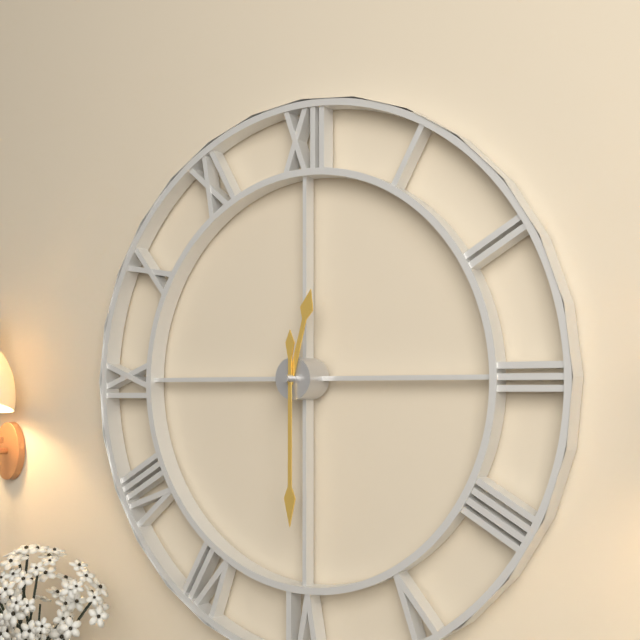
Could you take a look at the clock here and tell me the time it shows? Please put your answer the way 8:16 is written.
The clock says 12:30
